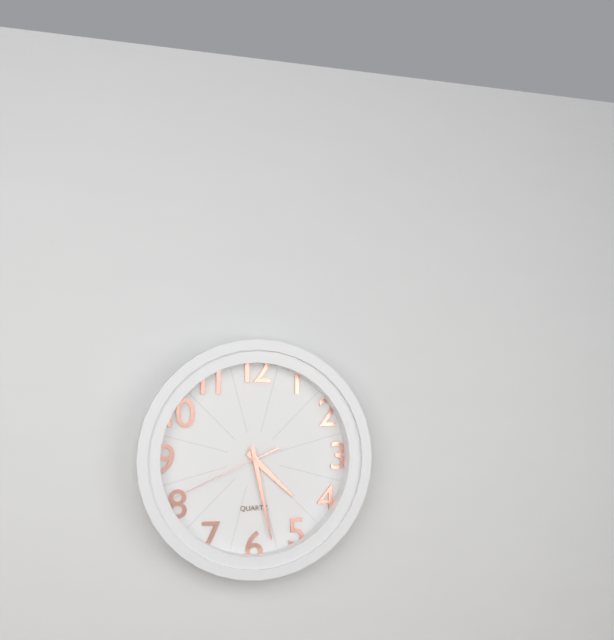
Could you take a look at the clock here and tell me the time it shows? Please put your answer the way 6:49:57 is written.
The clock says 4:28:41
